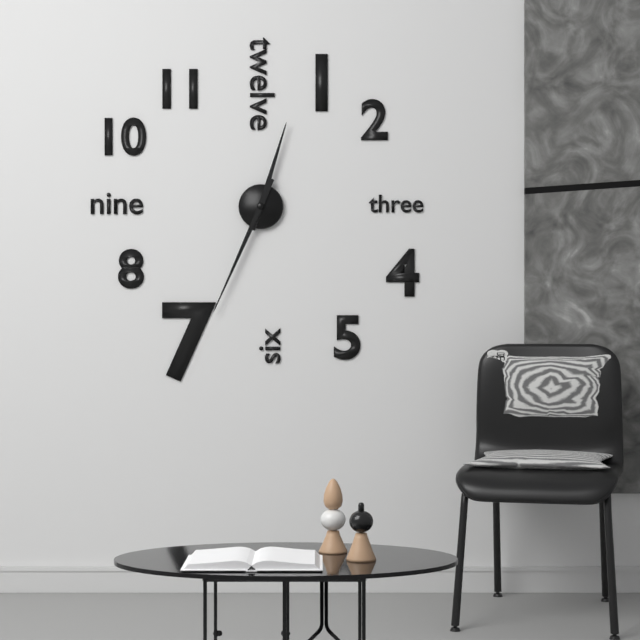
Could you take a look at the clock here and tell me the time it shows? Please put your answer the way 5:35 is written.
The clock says 12:34
